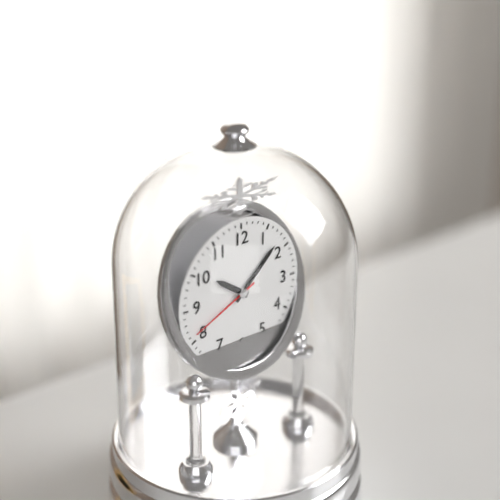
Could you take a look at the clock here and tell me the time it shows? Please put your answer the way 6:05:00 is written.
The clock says 10:08:41
